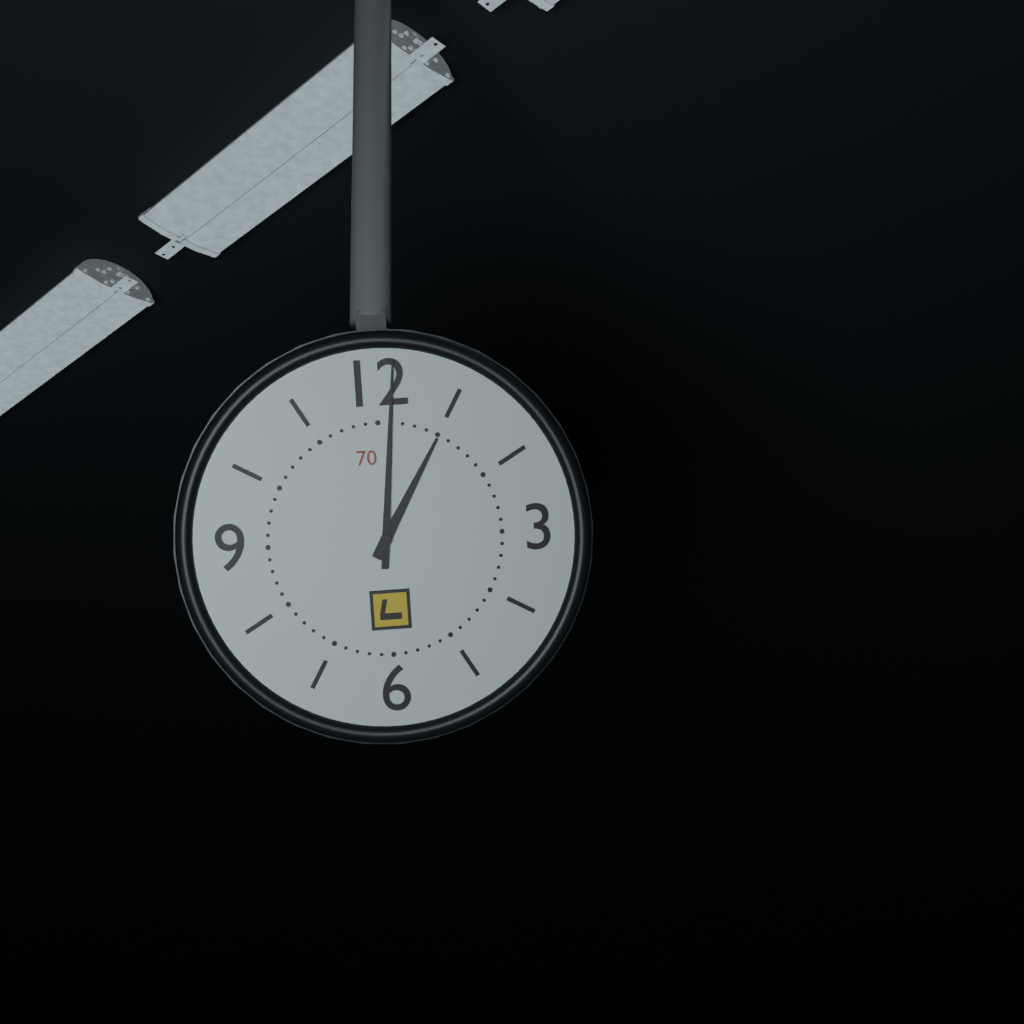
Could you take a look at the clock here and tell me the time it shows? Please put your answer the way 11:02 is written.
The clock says 1:01
